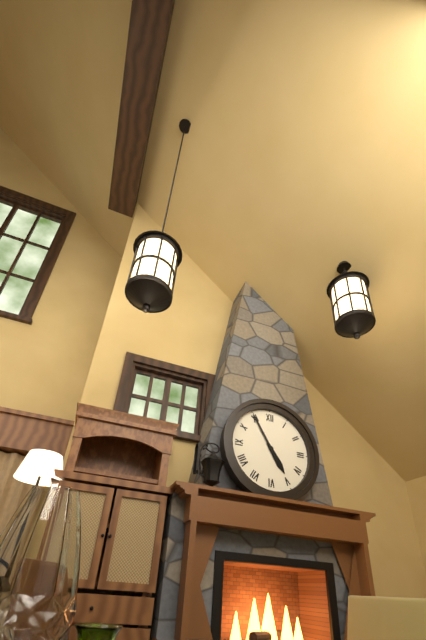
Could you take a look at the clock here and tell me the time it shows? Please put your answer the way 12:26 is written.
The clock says 4:55
